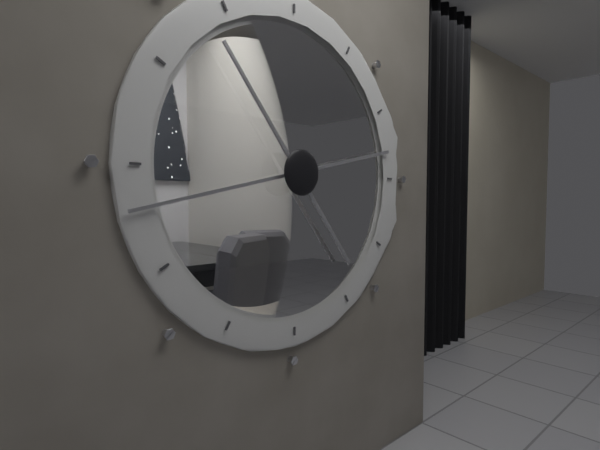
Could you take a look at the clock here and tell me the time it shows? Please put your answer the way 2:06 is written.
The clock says 10:43
